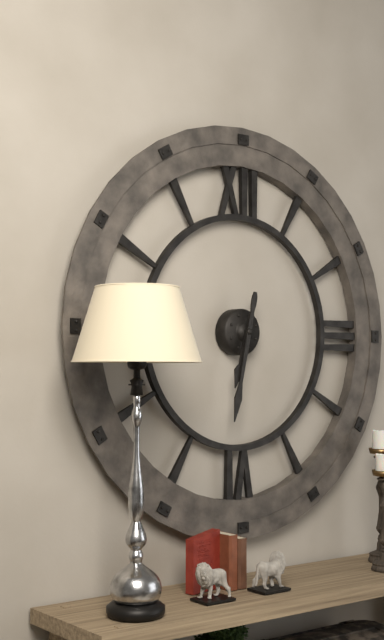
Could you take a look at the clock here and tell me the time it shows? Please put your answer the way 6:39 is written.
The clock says 6:32
